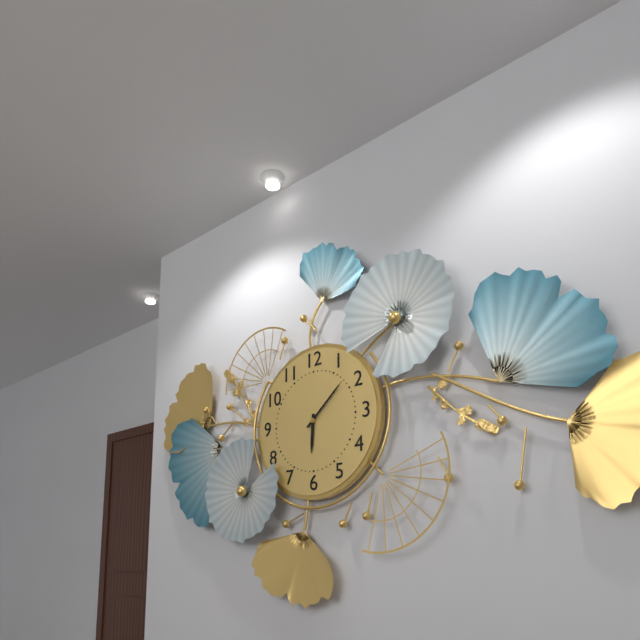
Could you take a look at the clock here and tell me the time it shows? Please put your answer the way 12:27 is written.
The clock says 6:08
